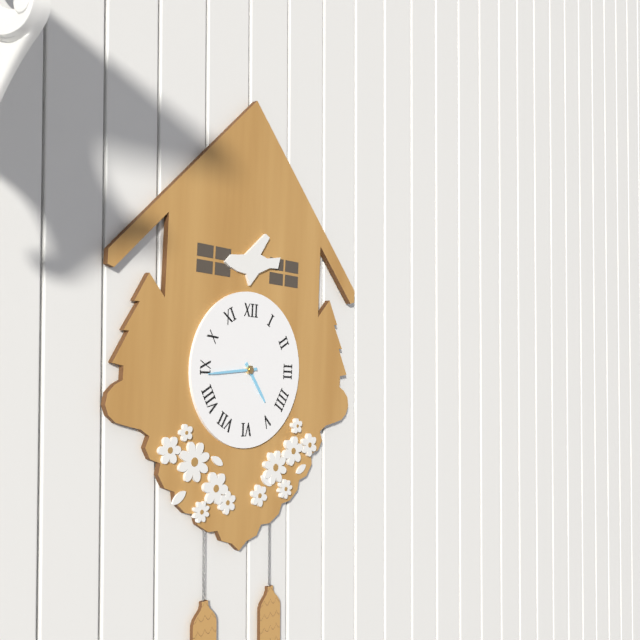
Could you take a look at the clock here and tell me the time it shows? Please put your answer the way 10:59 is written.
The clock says 4:44
